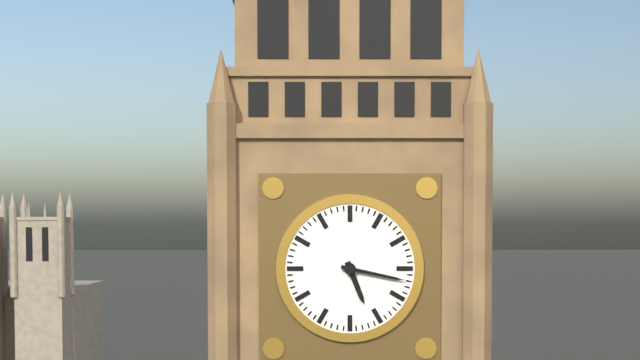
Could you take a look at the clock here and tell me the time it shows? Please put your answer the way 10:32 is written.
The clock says 5:17
